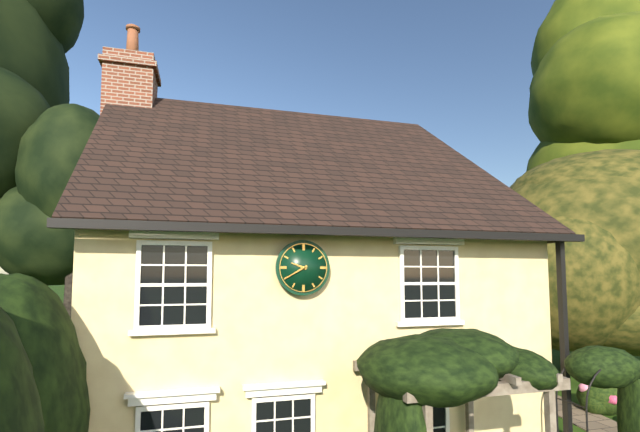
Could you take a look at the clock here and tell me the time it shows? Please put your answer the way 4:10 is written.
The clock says 9:40
